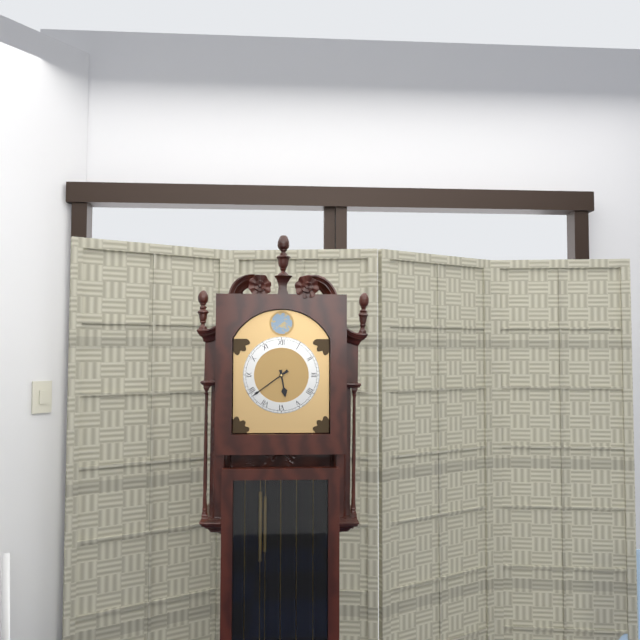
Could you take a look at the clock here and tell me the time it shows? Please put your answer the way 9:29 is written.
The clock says 5:39
